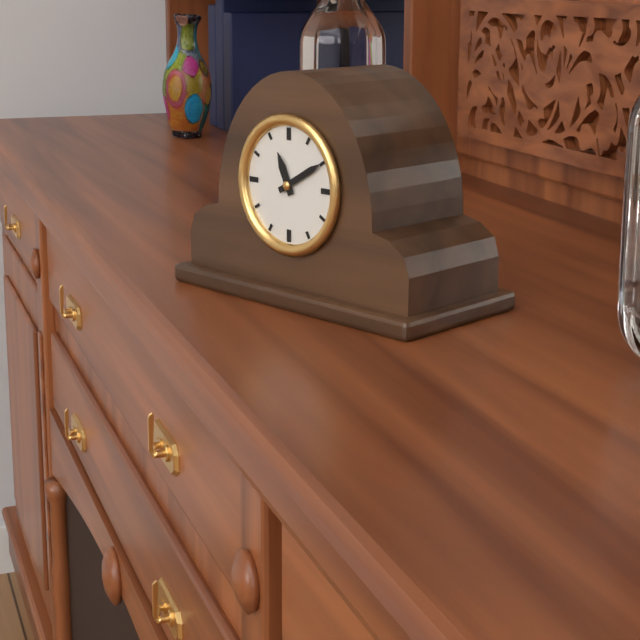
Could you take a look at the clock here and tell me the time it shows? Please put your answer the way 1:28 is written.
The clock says 11:10
